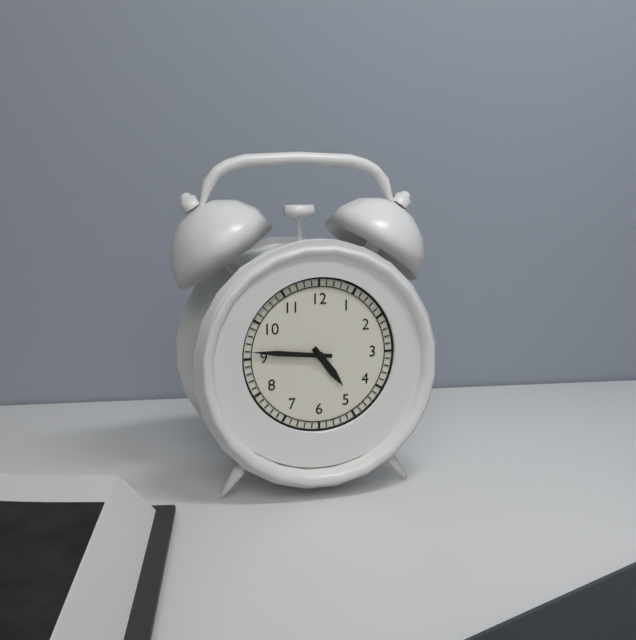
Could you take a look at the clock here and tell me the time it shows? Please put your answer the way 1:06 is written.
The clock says 4:46
